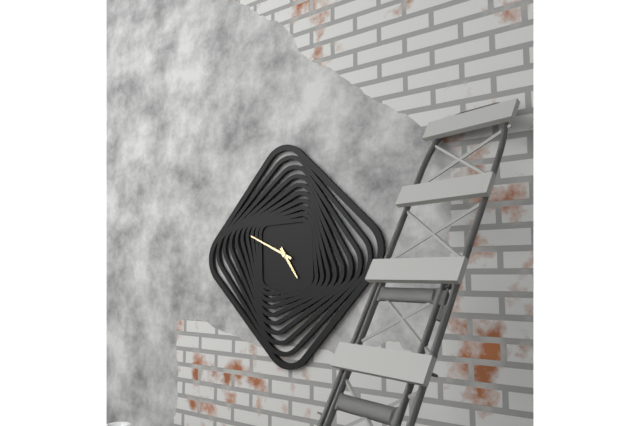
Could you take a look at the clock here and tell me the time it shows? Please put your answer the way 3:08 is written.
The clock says 4:49
